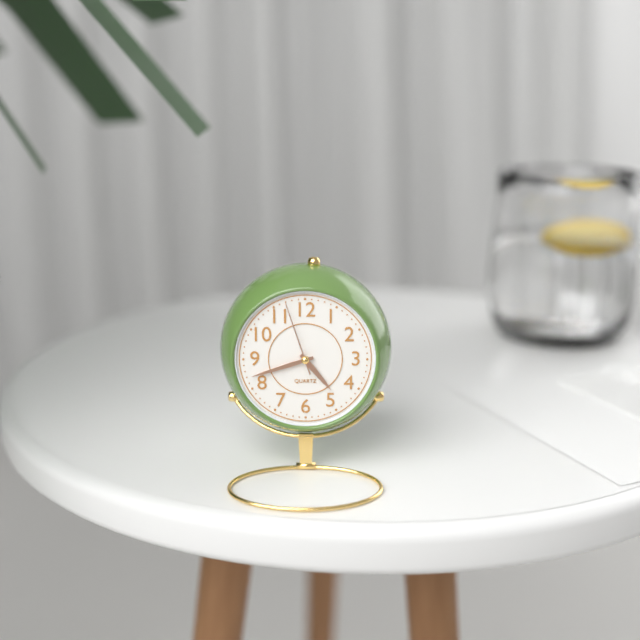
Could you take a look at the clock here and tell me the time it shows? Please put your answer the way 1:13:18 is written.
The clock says 4:42:57
